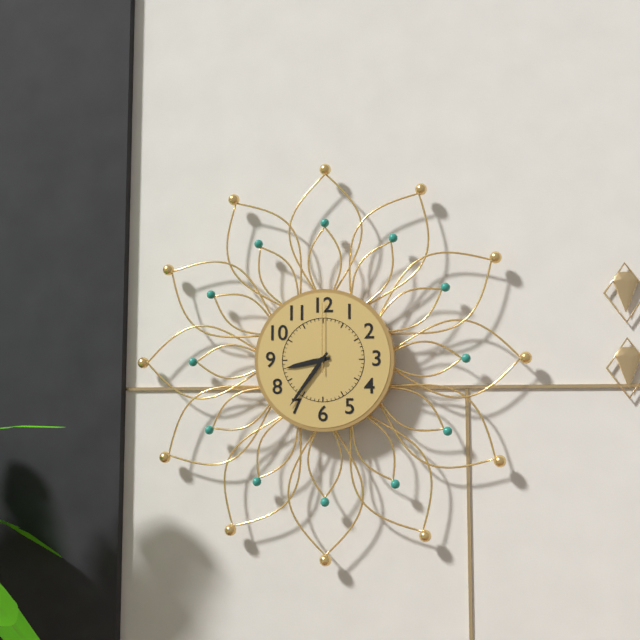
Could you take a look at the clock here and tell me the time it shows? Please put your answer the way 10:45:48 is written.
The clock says 8:36:00
